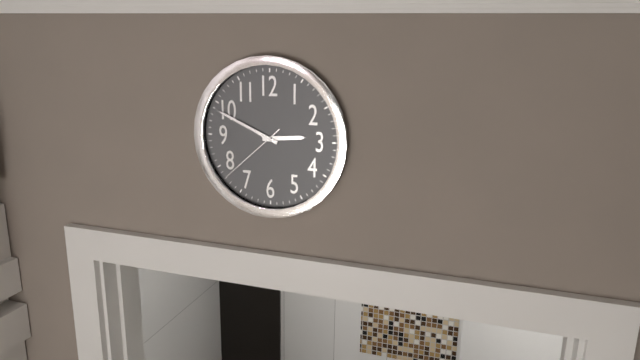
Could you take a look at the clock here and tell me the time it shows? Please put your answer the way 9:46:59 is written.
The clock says 2:49:38
